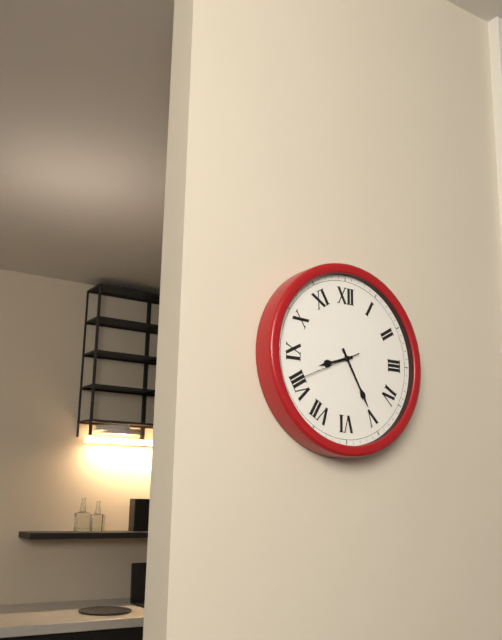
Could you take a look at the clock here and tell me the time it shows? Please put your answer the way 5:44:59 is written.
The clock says 8:25:41
